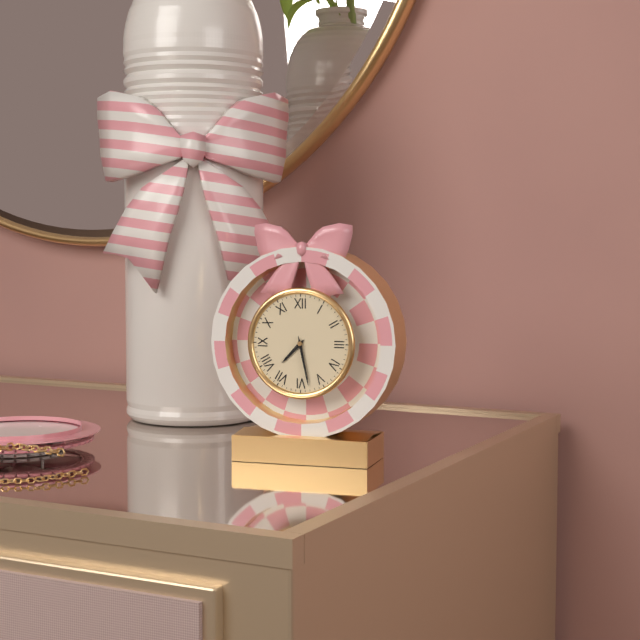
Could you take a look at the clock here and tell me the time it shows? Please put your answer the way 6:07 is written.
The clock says 7:28
